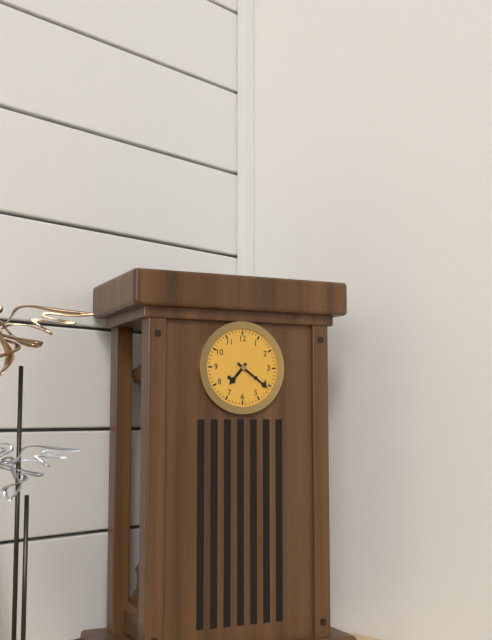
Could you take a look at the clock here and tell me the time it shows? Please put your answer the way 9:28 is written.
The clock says 7:21
